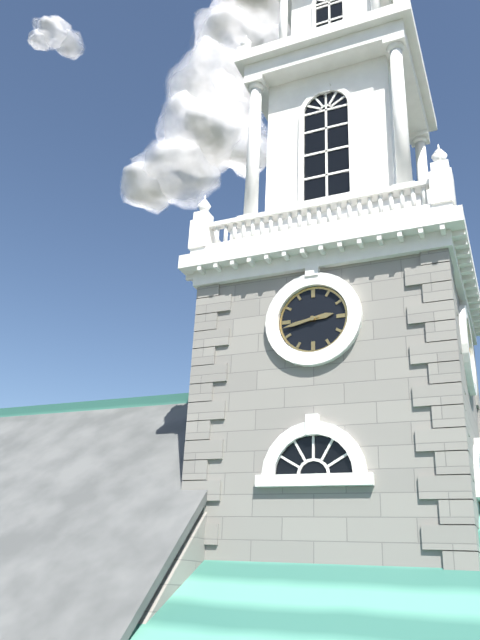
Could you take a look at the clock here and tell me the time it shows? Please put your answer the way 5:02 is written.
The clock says 2:43
